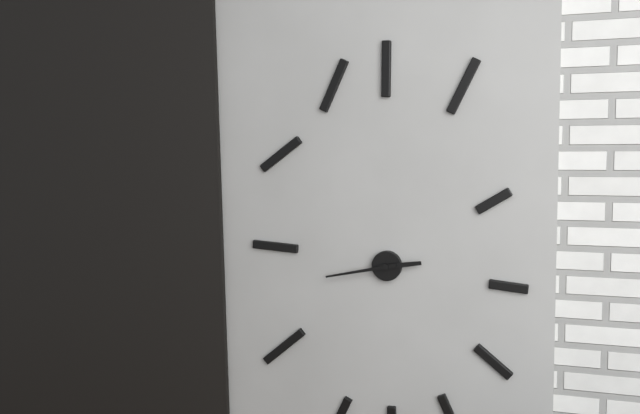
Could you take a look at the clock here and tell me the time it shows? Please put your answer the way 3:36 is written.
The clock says 2:43
